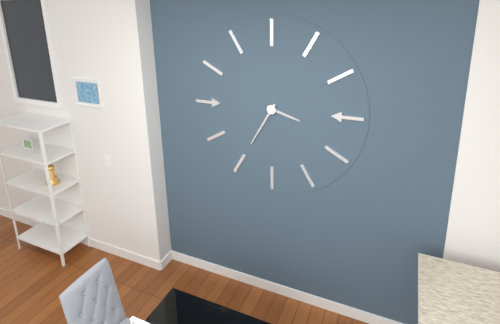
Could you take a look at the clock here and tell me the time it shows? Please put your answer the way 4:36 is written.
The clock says 3:35
